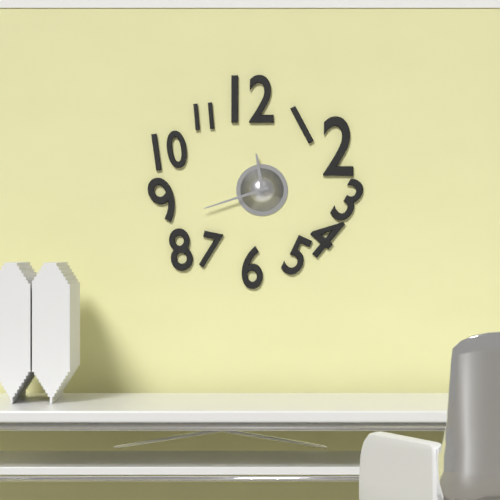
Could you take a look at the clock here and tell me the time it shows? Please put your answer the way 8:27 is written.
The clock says 11:42
